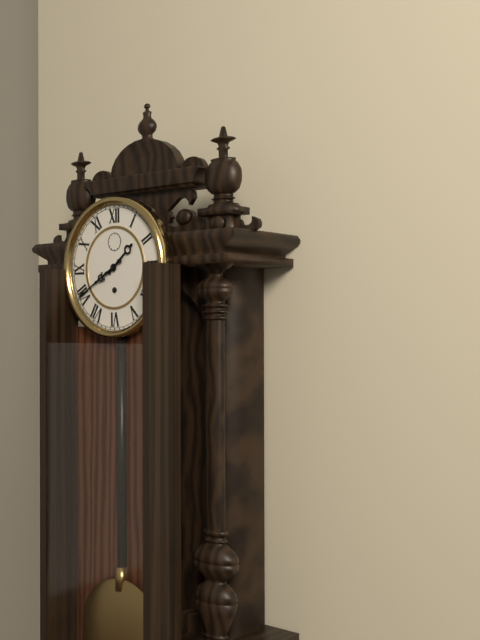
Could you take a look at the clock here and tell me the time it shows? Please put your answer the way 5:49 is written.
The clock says 1:40
